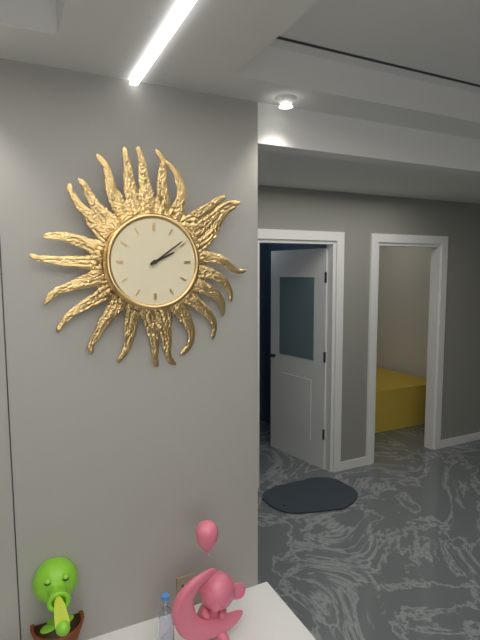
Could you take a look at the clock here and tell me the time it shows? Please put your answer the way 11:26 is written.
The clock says 2:09
